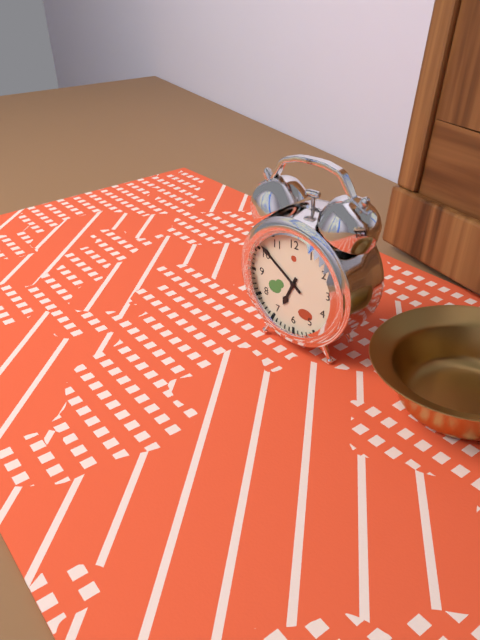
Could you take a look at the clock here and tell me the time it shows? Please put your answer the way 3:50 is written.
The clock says 6:51
